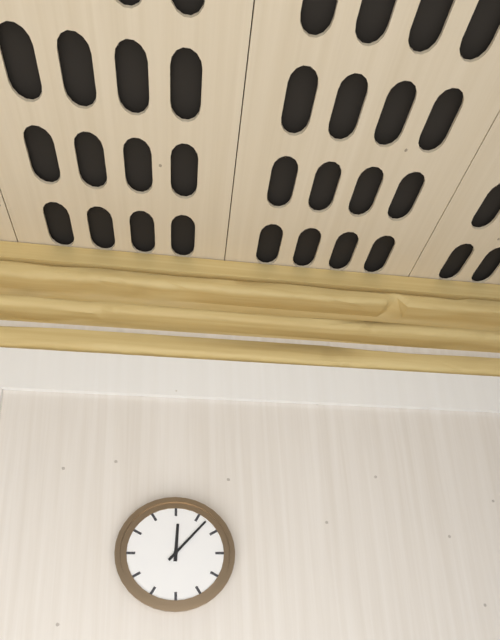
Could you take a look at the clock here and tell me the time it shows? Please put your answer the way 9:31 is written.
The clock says 12:07
